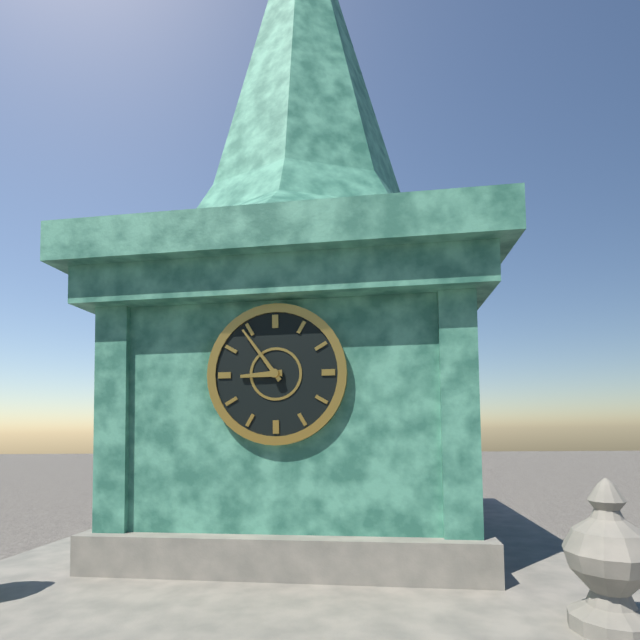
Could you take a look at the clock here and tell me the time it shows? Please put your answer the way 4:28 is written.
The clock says 8:54
